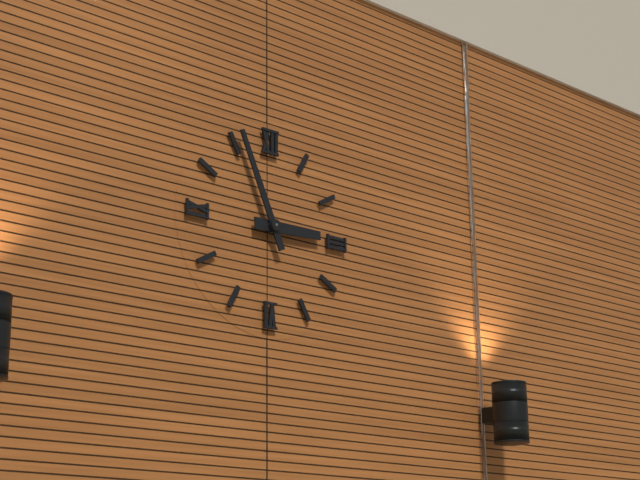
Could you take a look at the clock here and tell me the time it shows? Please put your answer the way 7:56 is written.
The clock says 2:56
